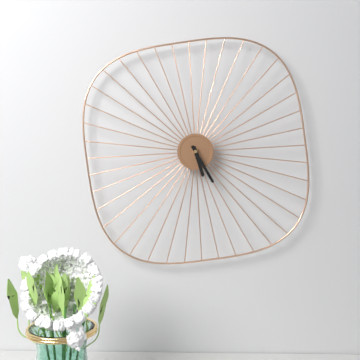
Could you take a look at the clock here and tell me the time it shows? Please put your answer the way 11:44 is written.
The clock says 5:25
